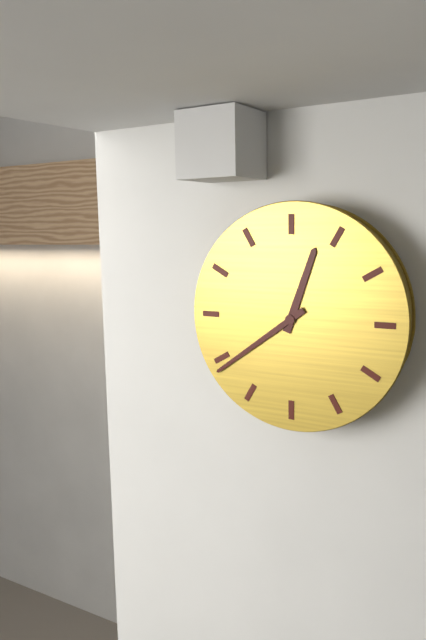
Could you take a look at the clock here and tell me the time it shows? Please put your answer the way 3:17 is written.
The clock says 12:39
